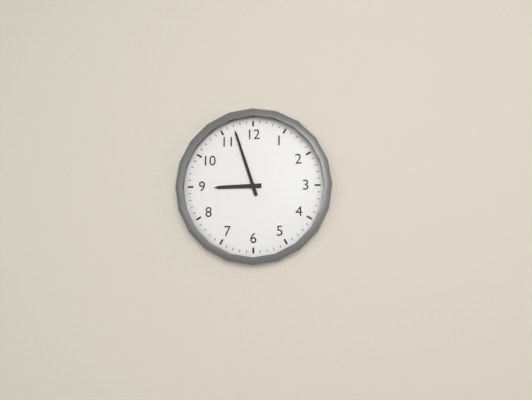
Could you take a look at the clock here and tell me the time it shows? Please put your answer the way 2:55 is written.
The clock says 8:57
